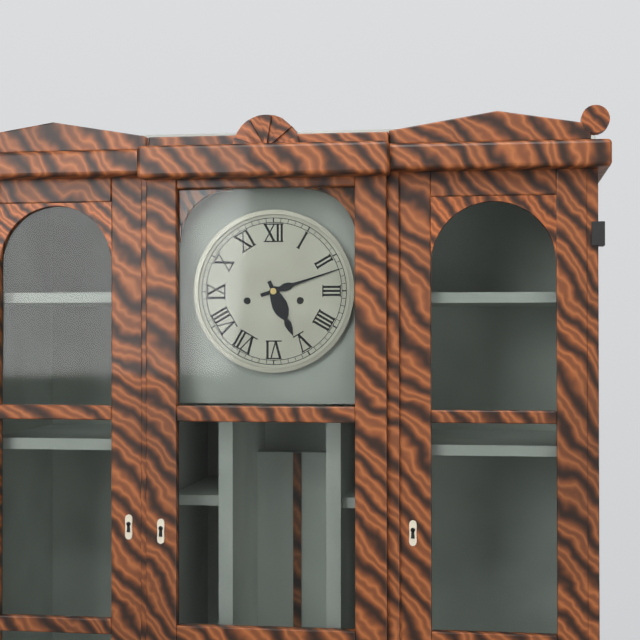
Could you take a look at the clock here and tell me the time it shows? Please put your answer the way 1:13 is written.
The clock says 5:12
